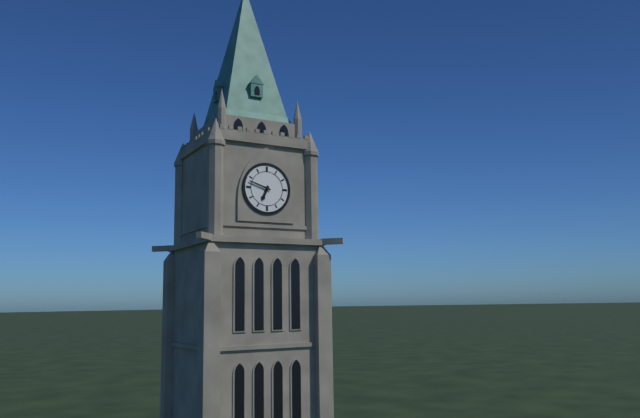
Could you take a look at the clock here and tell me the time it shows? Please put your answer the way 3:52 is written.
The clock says 6:48
